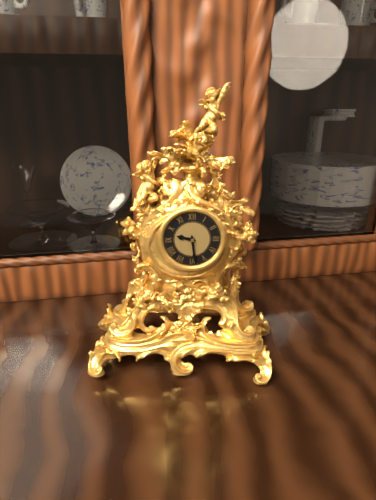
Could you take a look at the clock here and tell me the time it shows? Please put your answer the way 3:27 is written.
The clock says 9:29
